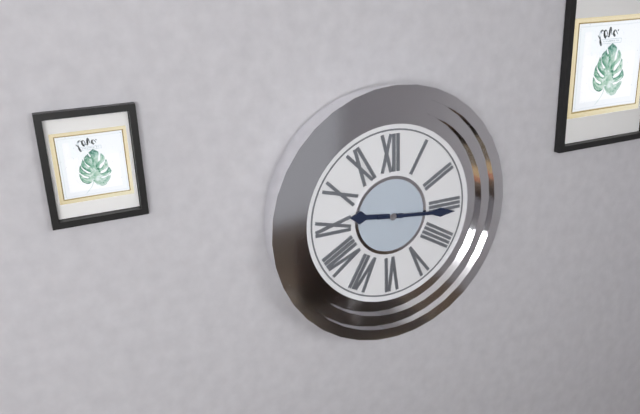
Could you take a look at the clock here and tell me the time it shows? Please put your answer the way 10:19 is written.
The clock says 9:16
